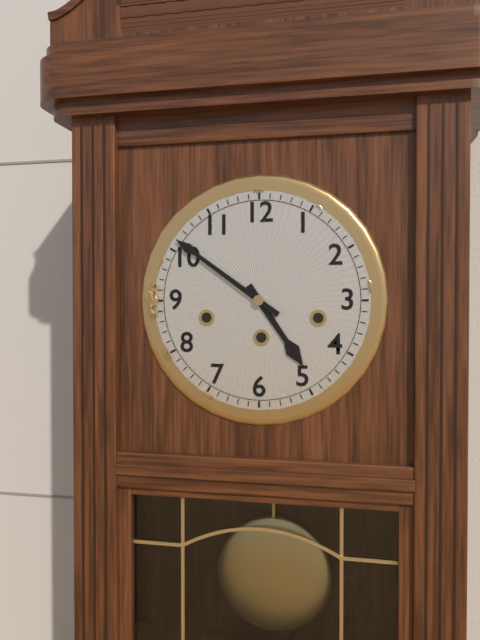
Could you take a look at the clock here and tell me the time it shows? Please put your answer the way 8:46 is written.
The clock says 4:51
